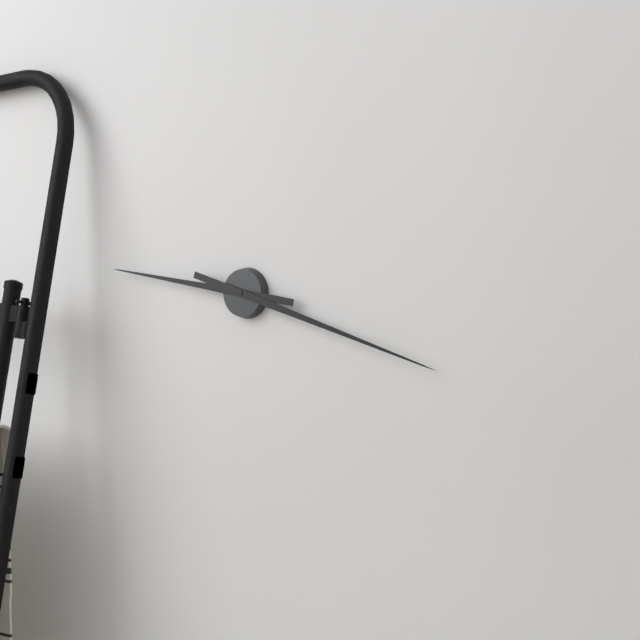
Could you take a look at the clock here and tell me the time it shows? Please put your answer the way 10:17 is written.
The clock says 9:18
